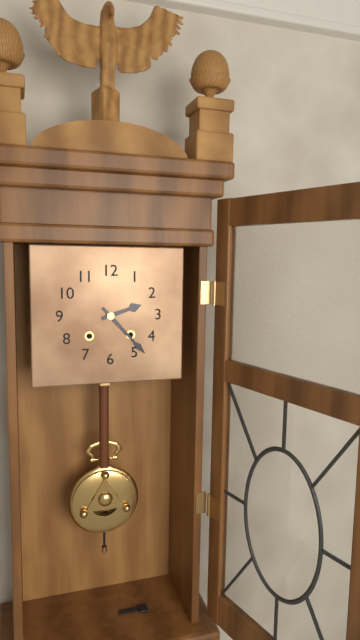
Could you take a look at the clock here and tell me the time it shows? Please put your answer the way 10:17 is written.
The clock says 2:23
